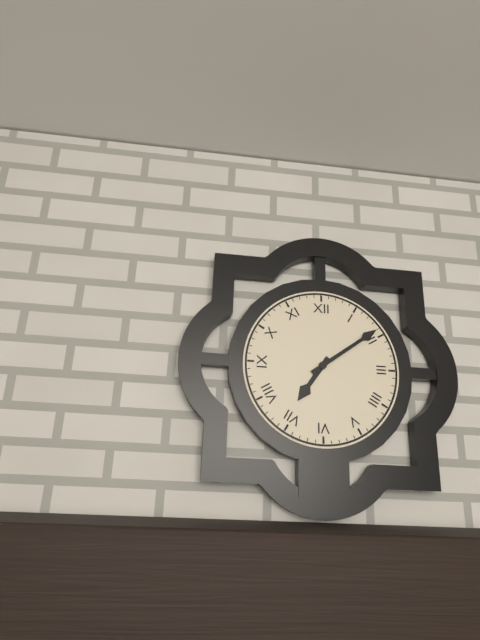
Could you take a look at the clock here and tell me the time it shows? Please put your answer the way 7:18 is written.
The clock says 7:09
